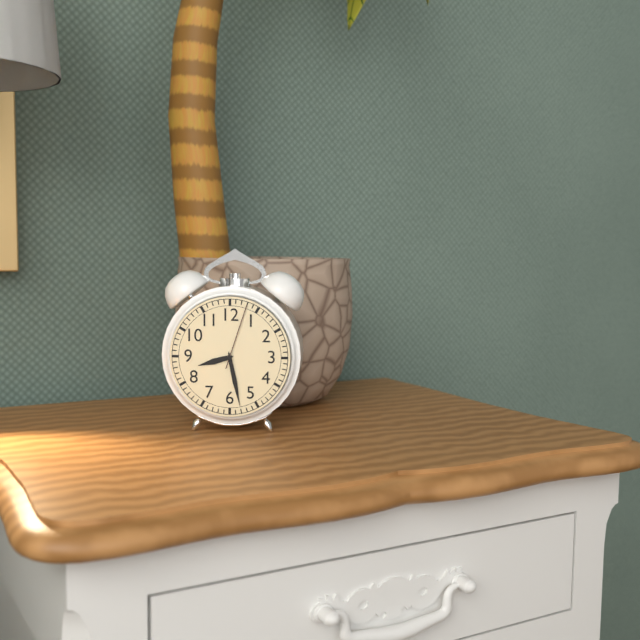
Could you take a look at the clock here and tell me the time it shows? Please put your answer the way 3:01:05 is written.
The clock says 8:28:03
